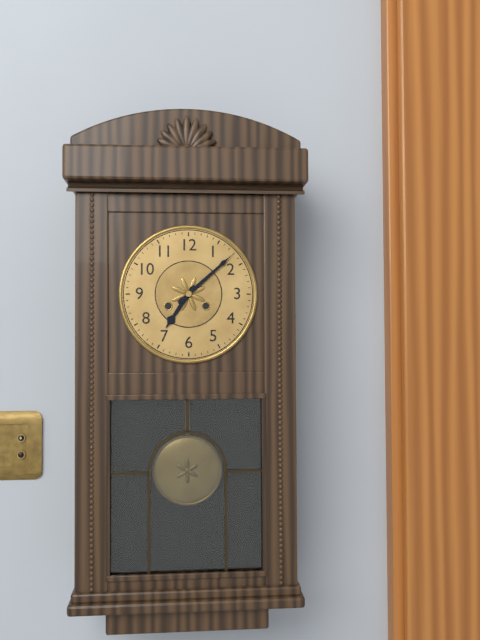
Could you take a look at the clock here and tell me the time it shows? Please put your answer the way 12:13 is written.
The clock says 7:08
